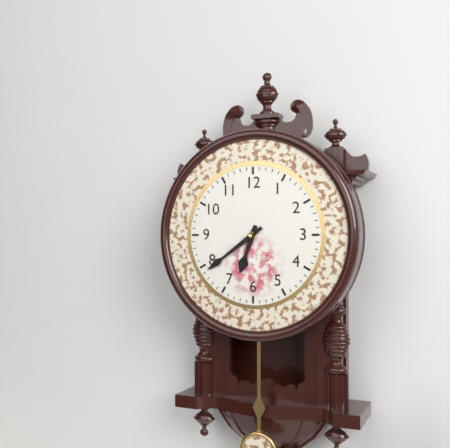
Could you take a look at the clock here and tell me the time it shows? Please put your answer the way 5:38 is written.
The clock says 6:39
